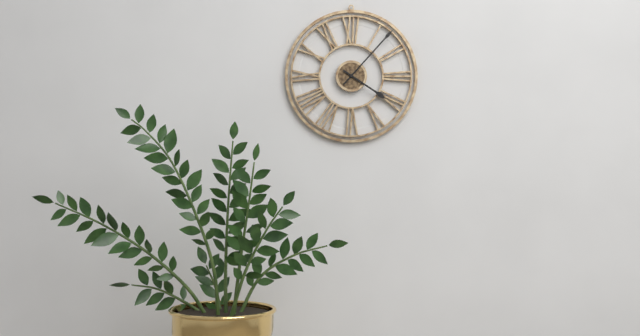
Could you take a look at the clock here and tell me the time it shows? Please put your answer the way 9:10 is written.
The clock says 4:07
